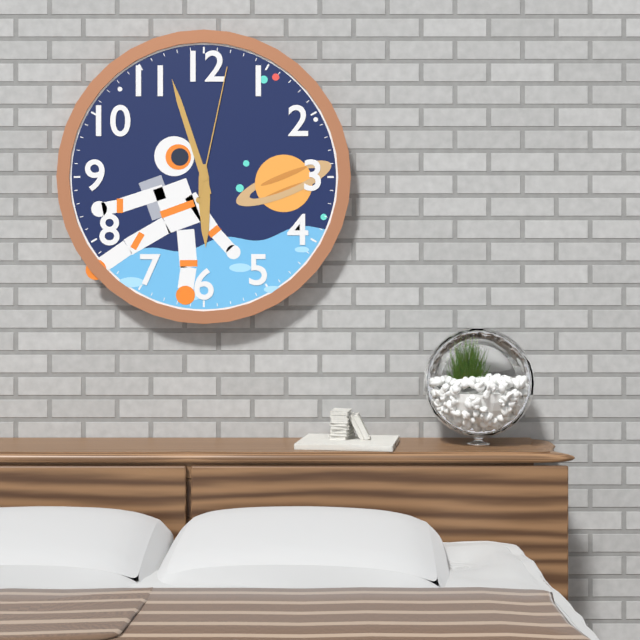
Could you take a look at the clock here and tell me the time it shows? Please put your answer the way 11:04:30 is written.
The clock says 5:57:02
